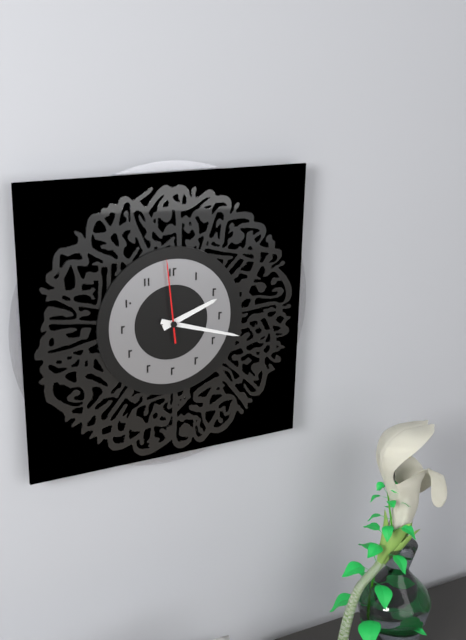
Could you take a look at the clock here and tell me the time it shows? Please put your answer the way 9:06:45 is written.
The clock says 2:18:59
